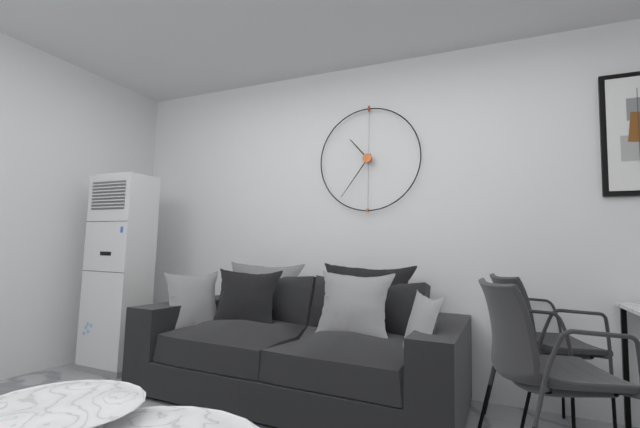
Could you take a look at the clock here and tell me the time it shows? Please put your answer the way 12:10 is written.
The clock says 10:36
